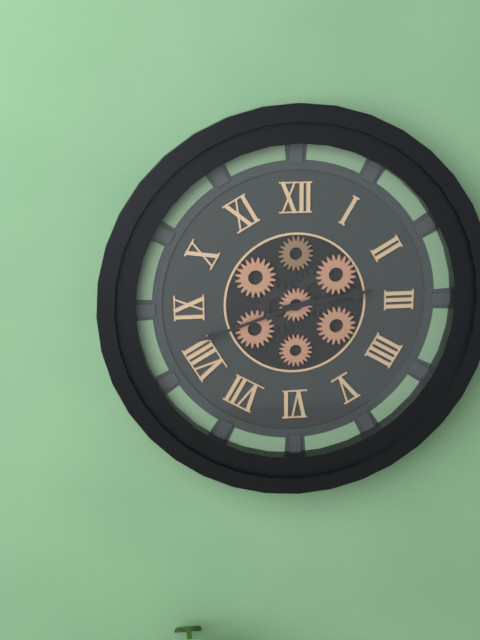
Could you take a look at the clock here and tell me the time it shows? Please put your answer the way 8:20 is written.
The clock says 2:42
